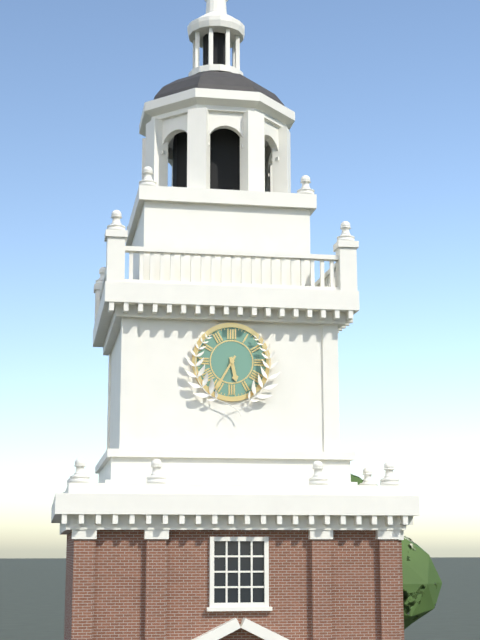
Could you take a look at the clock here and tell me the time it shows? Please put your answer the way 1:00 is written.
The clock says 5:35
